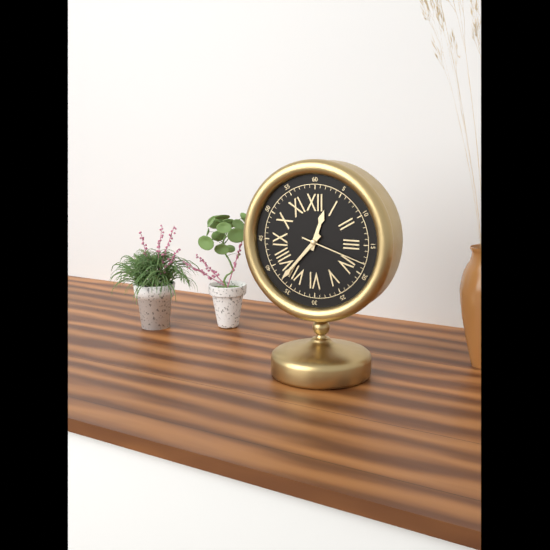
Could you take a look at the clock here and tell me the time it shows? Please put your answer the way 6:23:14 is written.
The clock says 12:37:18
